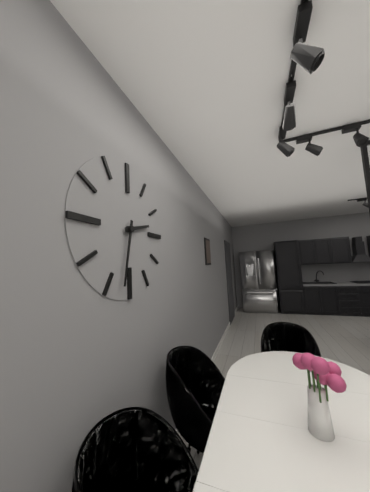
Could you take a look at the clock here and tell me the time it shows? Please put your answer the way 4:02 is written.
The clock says 2:32
